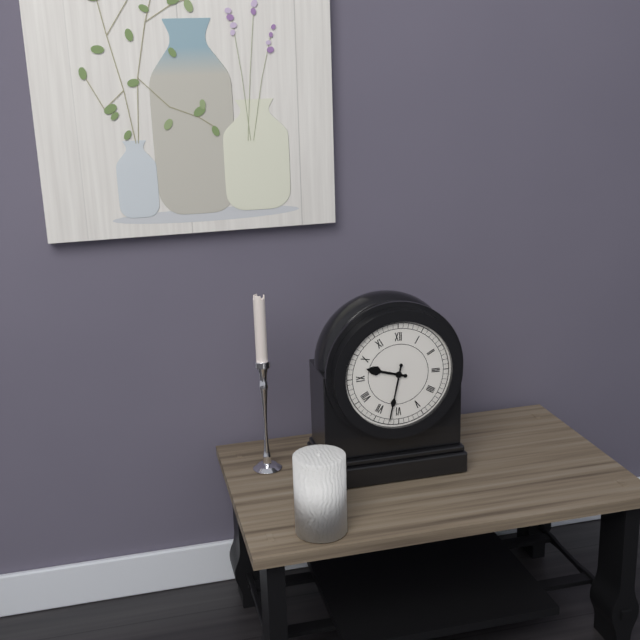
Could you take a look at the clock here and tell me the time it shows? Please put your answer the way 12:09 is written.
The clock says 9:32
